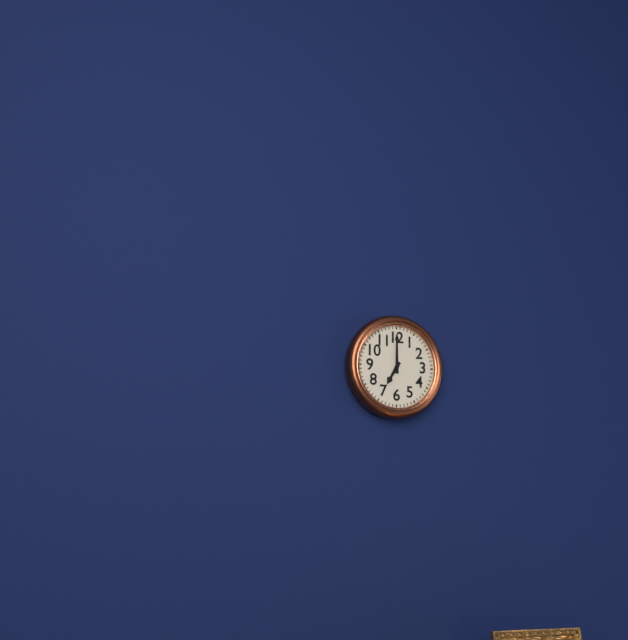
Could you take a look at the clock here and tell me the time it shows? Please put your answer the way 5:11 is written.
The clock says 7:00
